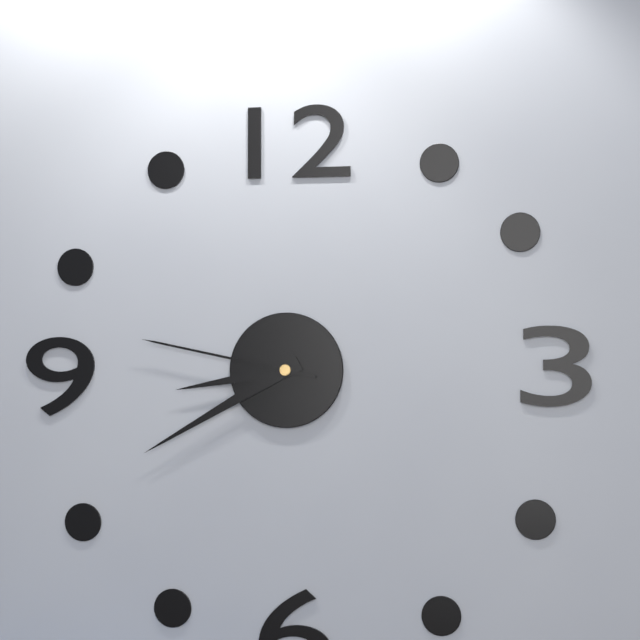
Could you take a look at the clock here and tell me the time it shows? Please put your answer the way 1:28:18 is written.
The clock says 8:40:47
